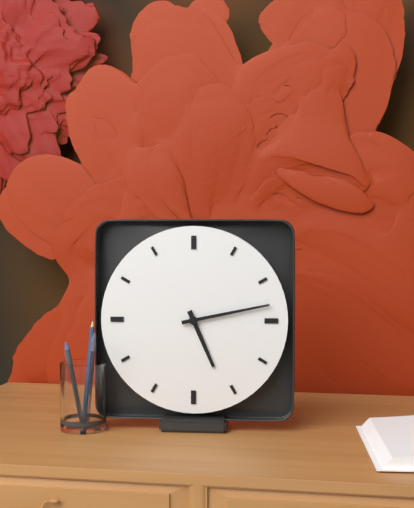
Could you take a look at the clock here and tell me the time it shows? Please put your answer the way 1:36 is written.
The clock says 5:13
